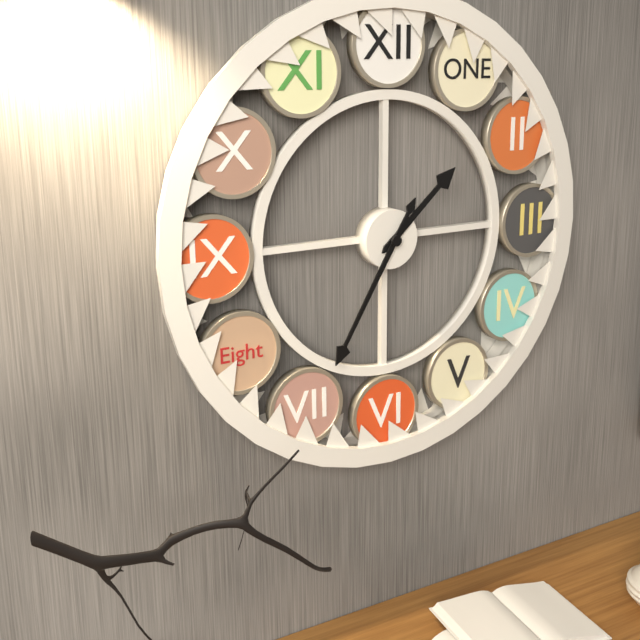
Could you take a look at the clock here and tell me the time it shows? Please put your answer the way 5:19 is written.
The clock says 1:35
